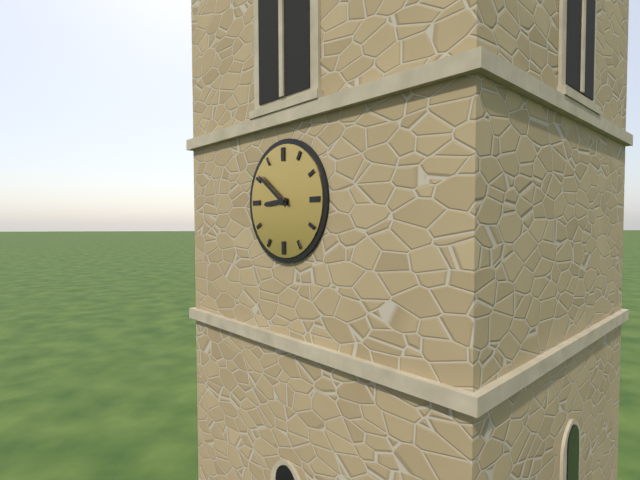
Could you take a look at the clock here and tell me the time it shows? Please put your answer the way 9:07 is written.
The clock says 8:51
